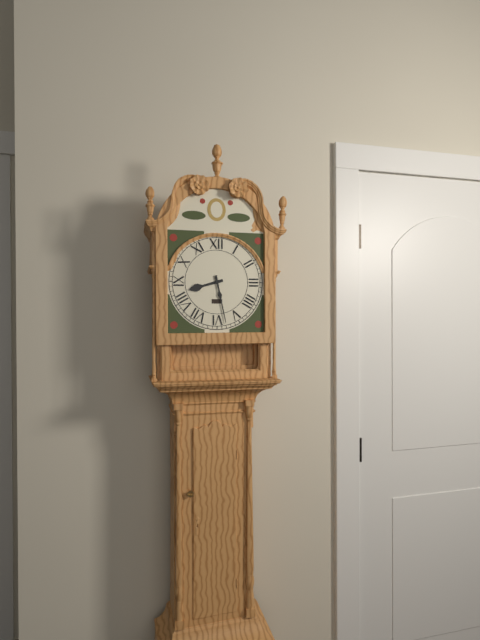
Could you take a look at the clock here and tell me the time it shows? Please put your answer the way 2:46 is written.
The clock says 8:28
